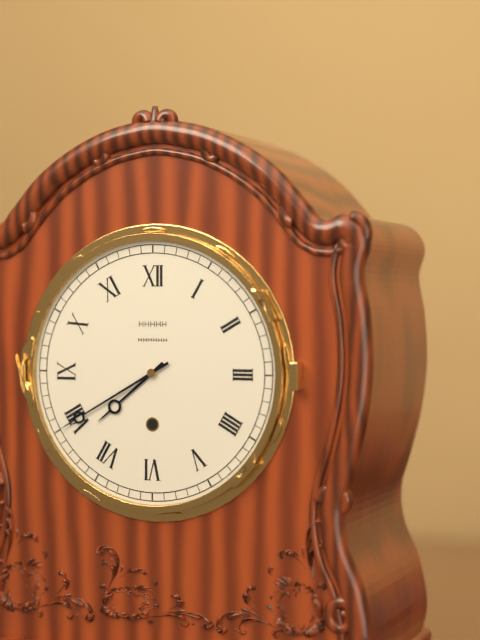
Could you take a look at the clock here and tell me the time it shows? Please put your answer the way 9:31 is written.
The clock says 7:40
